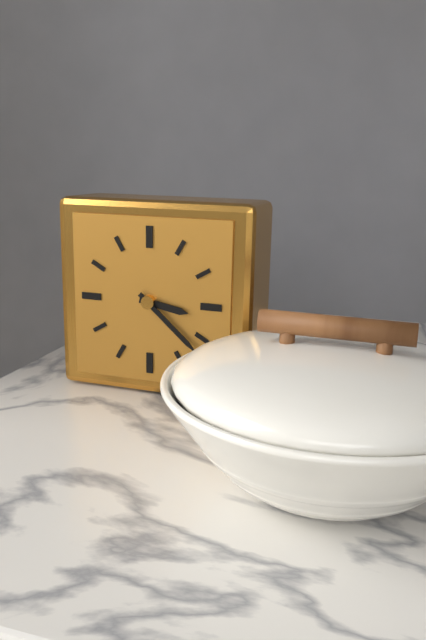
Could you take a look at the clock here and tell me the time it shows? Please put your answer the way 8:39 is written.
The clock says 3:22
